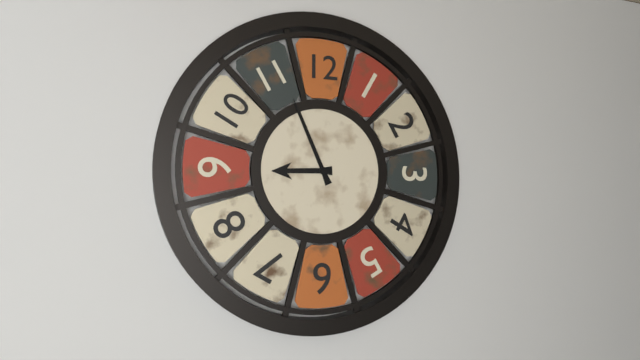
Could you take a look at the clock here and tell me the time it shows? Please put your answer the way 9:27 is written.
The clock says 8:56
